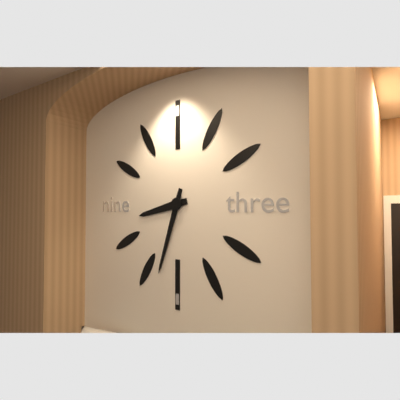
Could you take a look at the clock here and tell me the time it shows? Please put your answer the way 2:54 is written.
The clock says 8:33
